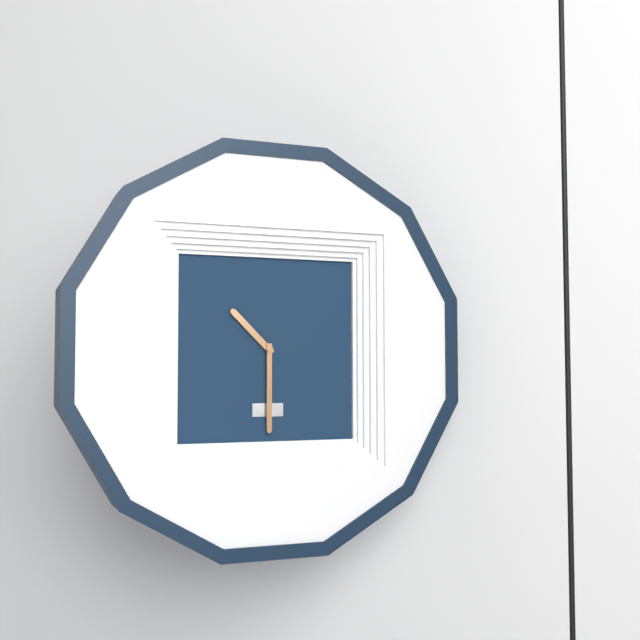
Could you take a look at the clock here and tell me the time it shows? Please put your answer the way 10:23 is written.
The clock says 10:30
